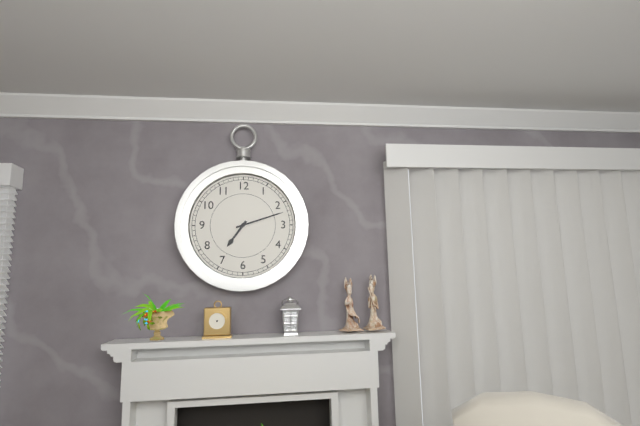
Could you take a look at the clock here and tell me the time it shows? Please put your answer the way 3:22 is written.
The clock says 7:12
